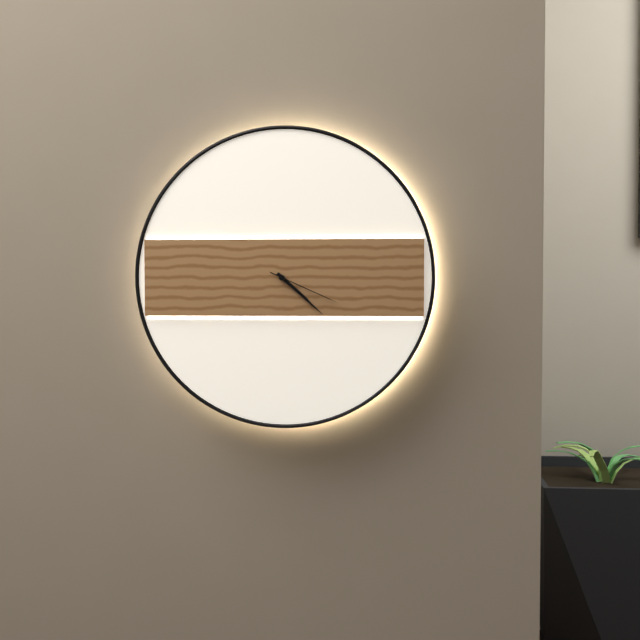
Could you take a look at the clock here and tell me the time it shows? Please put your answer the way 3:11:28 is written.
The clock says 4:22:19
